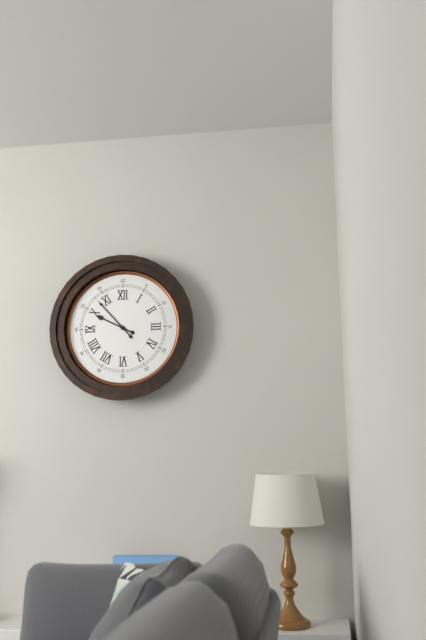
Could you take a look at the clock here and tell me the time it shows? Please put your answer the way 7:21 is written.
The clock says 9:53
